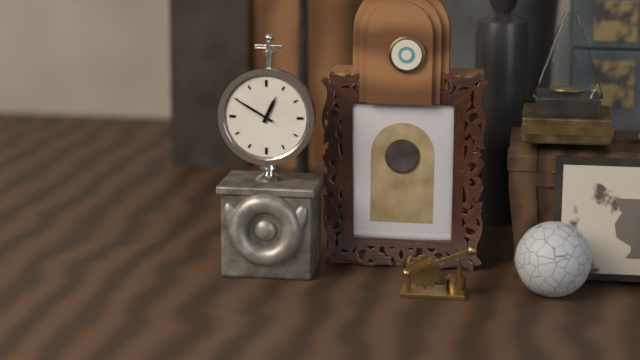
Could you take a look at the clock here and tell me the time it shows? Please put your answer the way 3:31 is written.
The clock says 12:50
